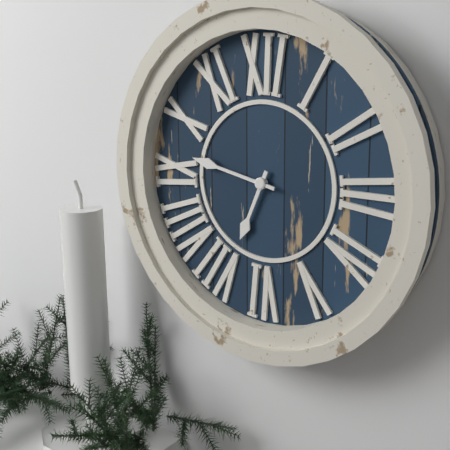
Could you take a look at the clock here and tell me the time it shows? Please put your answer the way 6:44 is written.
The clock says 6:47
